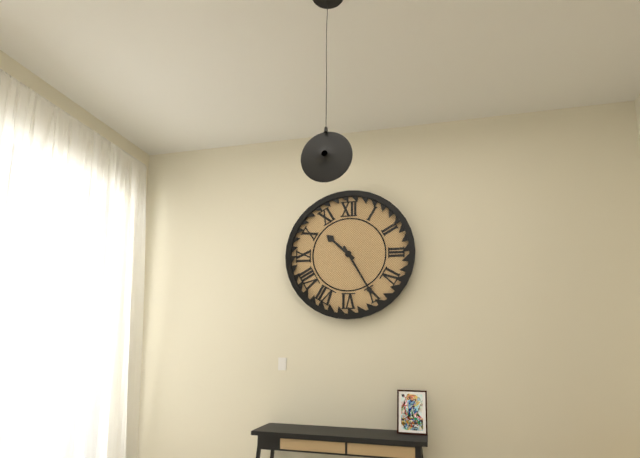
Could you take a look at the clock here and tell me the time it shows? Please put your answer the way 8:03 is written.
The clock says 10:25
